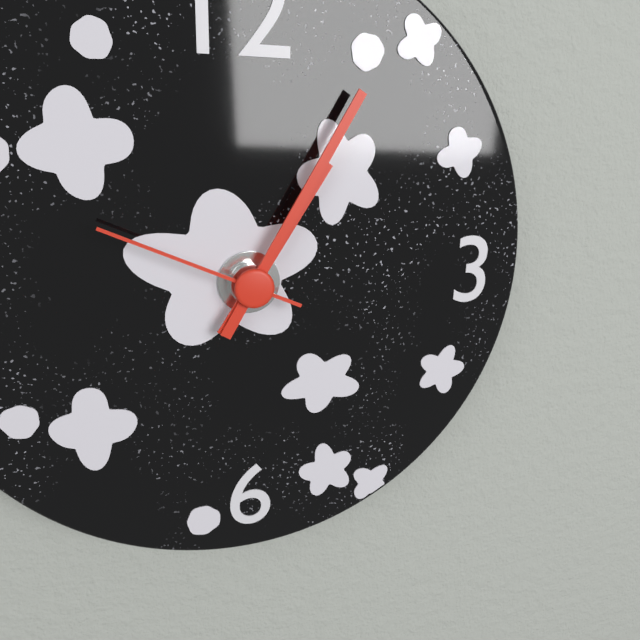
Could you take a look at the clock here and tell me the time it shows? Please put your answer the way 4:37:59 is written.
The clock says 1:05:49
